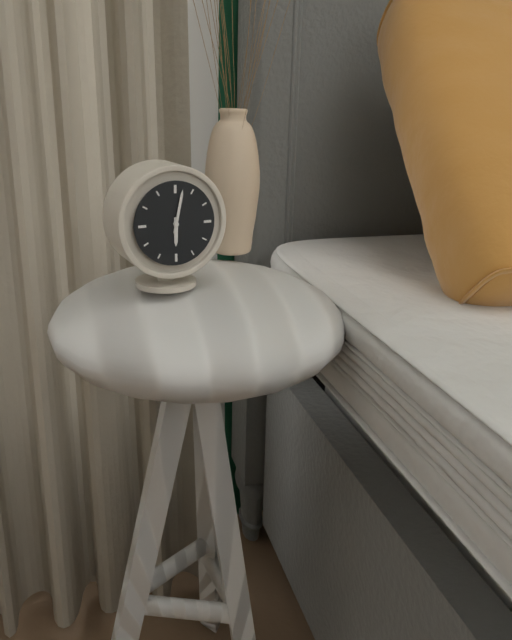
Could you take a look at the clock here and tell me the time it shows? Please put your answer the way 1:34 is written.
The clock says 6:02
